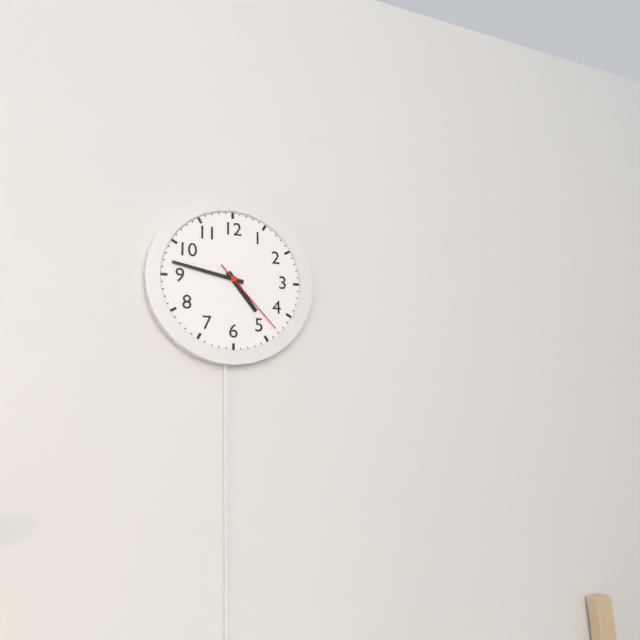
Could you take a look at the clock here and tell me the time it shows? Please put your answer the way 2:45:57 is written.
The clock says 4:47:23
